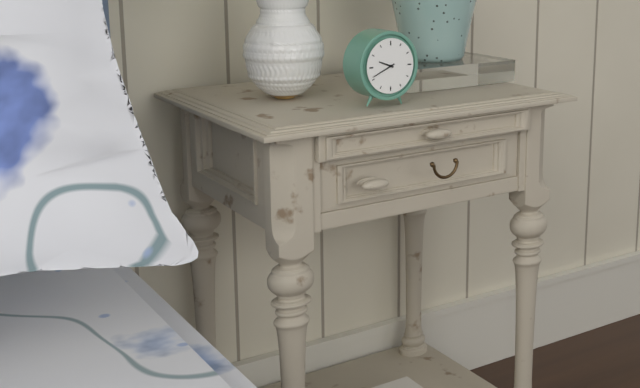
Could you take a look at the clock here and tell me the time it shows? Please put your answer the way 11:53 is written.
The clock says 9:41
